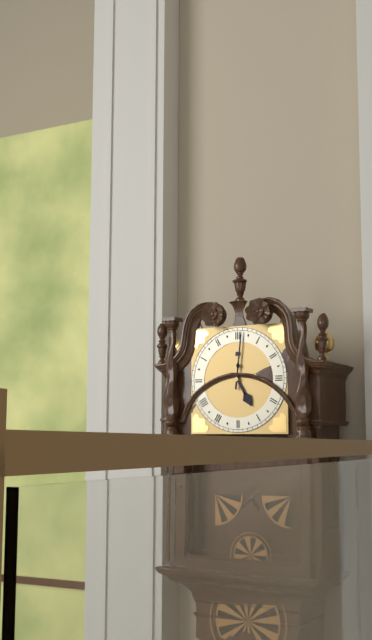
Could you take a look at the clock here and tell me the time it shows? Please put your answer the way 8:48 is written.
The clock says 5:01
